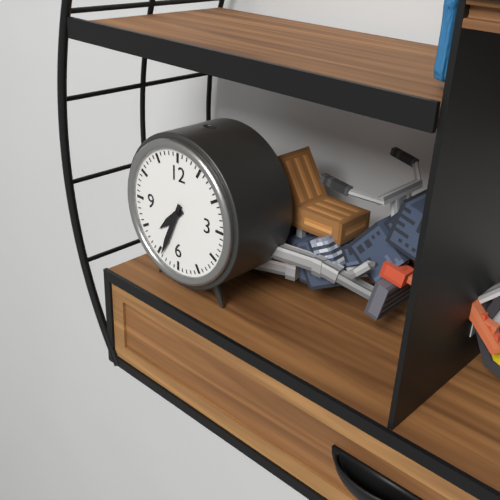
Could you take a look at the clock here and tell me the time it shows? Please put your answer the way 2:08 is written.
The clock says 7:34
